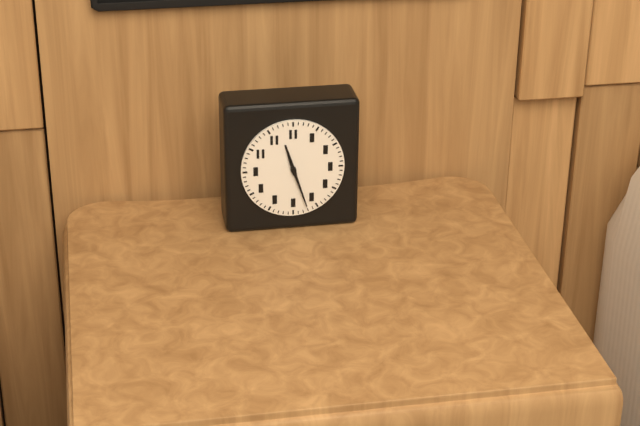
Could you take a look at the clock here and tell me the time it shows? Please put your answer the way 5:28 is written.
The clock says 11:27
